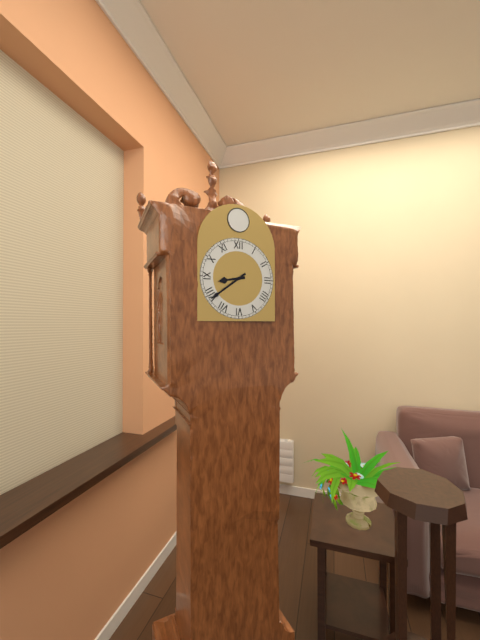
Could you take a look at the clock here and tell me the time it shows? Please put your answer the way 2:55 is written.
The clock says 8:39
